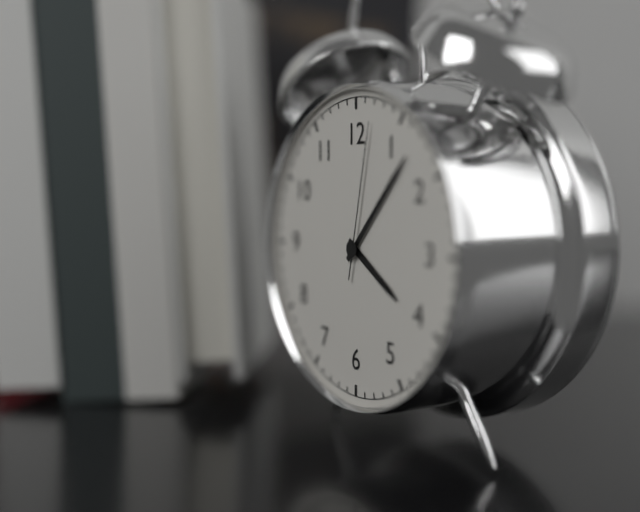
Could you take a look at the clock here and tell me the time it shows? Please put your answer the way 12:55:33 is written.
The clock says 4:07:02
